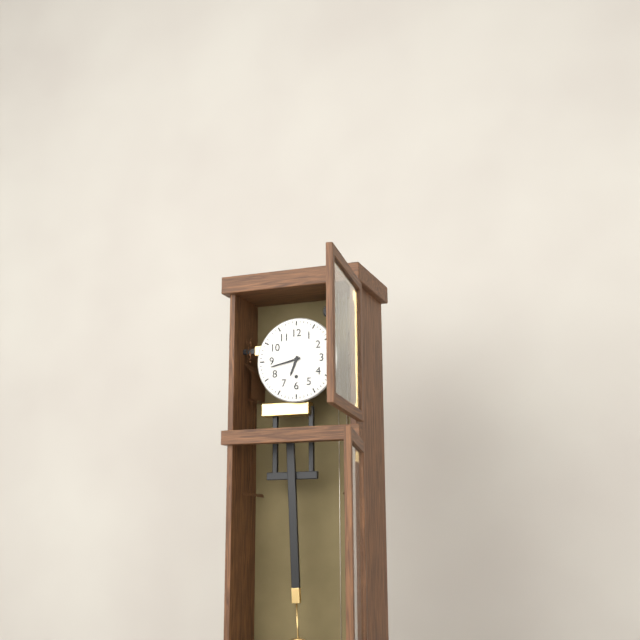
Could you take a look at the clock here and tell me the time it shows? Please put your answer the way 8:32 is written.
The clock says 6:43
